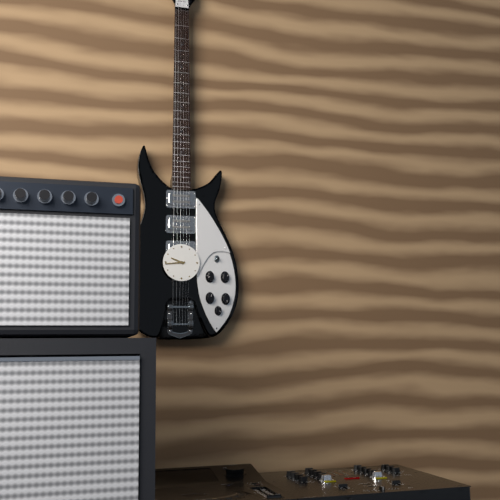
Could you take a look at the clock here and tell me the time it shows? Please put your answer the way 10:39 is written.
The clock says 9:44
